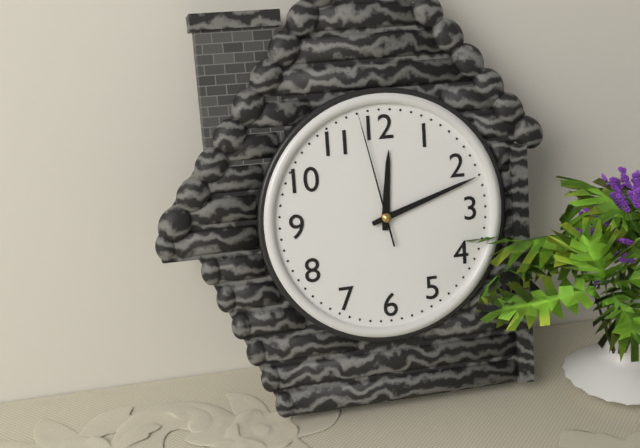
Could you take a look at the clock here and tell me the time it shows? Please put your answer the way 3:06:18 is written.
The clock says 12:12:58
